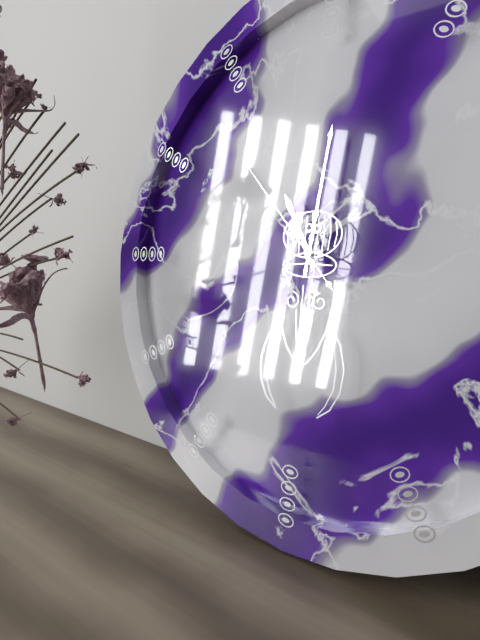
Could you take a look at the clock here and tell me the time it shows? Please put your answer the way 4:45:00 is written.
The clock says 11:01:53
